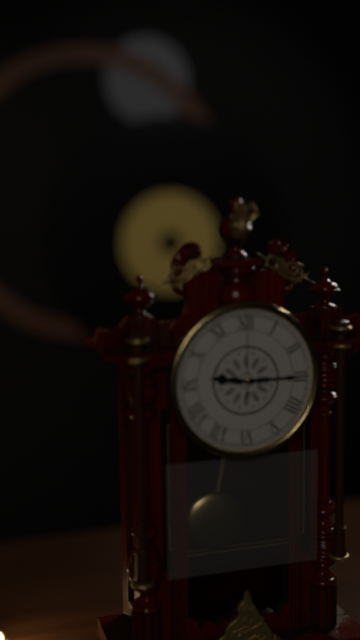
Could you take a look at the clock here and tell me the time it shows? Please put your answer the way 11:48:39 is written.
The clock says 9:15:00
